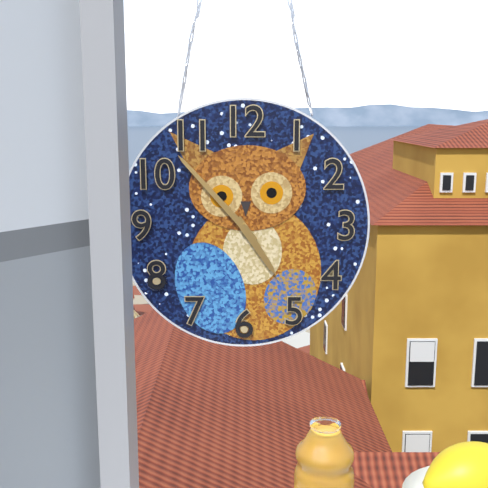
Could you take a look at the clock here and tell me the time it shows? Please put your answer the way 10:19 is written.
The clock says 4:53
